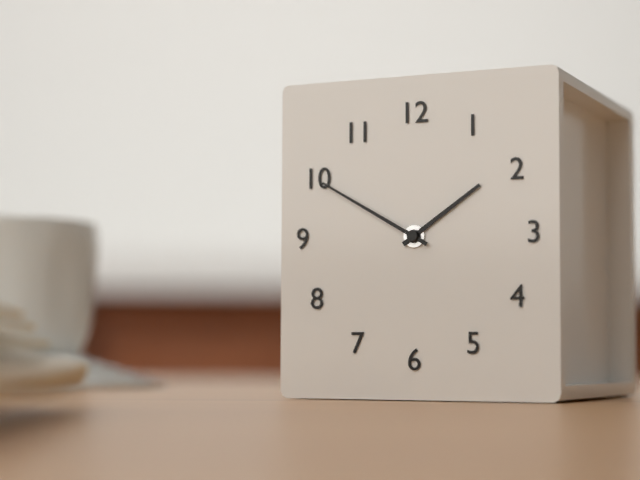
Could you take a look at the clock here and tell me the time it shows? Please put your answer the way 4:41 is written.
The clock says 1:50
